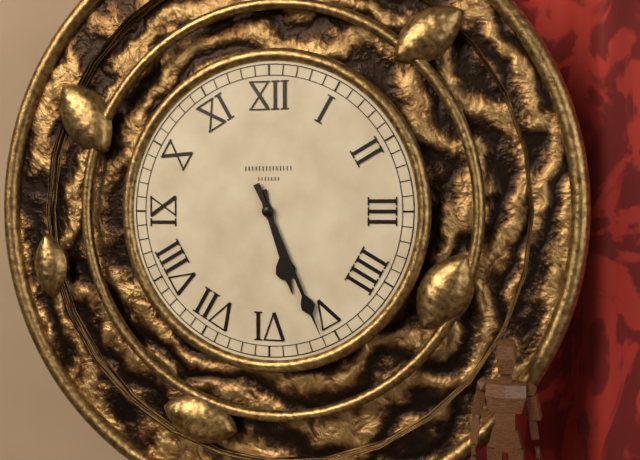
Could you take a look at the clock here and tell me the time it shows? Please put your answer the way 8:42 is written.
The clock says 5:26
